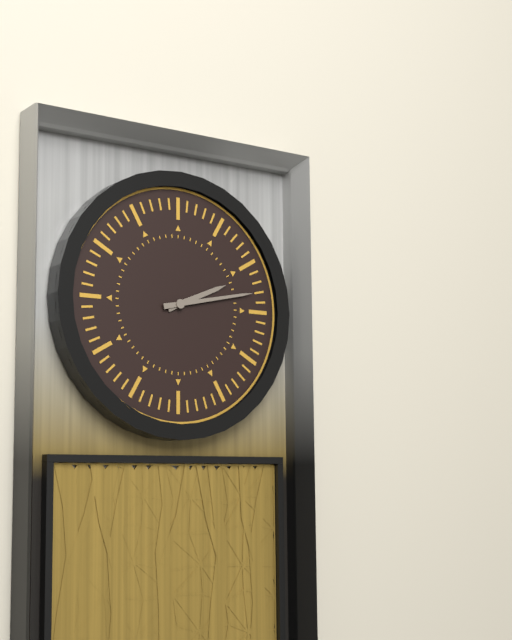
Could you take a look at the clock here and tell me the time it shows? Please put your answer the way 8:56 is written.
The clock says 2:13
